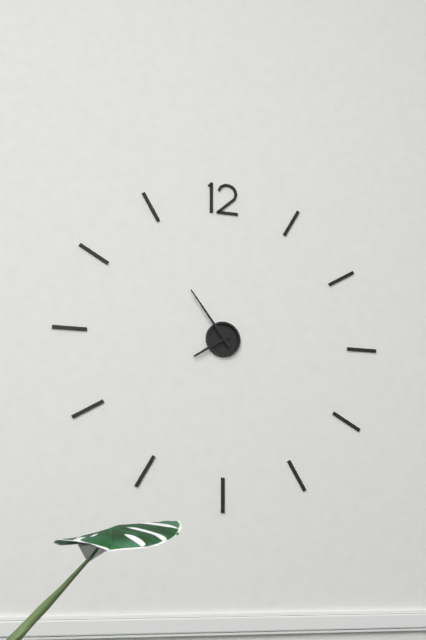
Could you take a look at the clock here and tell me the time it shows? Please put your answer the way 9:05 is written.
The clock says 7:54
